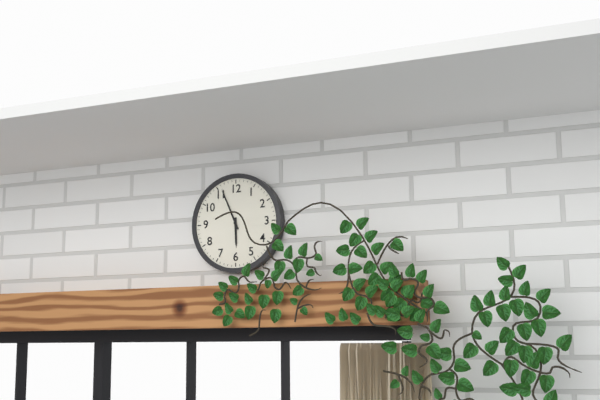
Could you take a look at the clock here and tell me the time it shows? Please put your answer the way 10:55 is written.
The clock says 5:56
